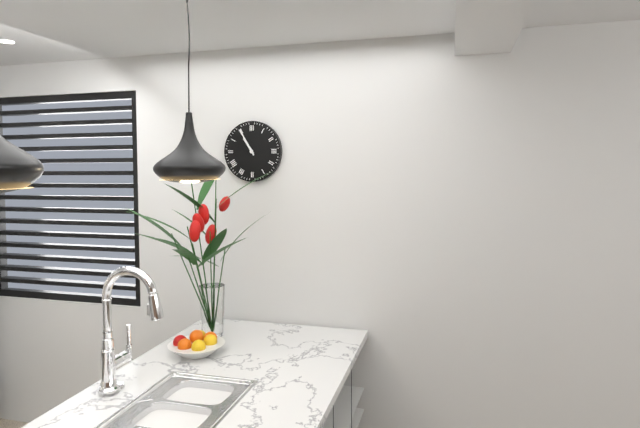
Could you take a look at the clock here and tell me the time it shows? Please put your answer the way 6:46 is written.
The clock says 10:55
